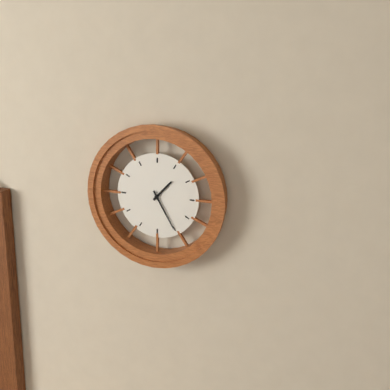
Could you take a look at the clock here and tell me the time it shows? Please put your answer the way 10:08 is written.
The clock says 1:25
